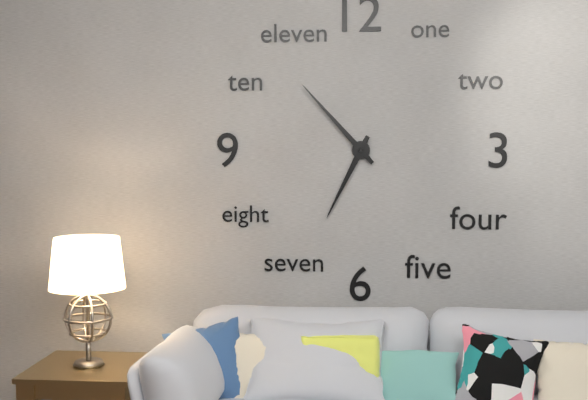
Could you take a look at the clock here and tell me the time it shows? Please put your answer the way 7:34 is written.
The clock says 6:53
